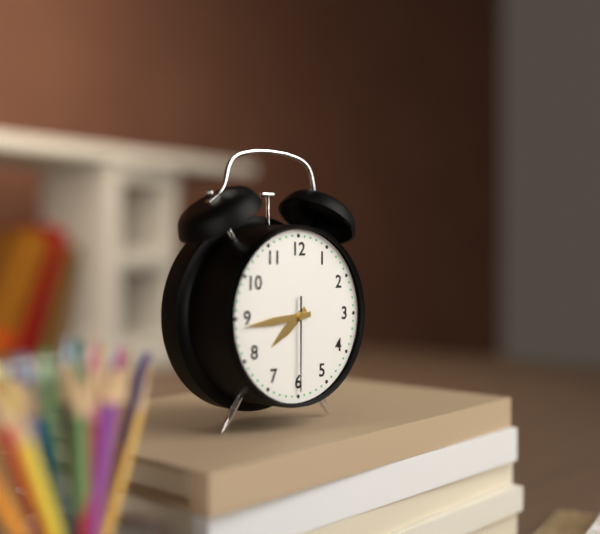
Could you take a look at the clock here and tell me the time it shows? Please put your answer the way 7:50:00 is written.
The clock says 7:44:30
